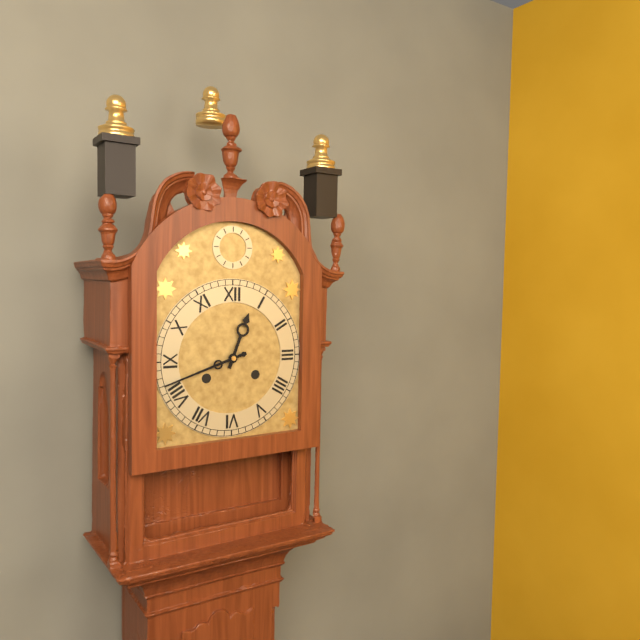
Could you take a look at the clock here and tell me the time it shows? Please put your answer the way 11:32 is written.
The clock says 12:42
